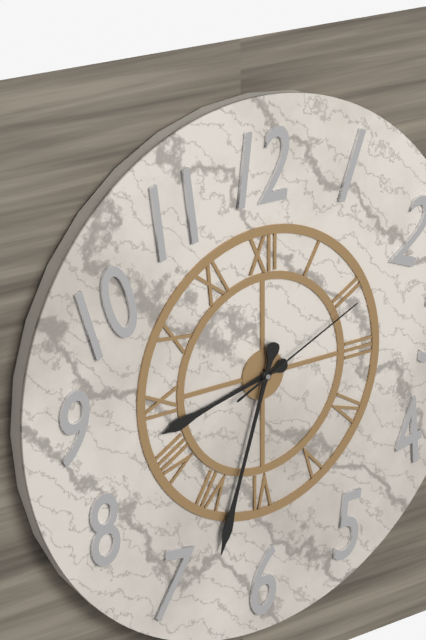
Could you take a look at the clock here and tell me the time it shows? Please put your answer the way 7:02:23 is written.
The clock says 8:33:11
